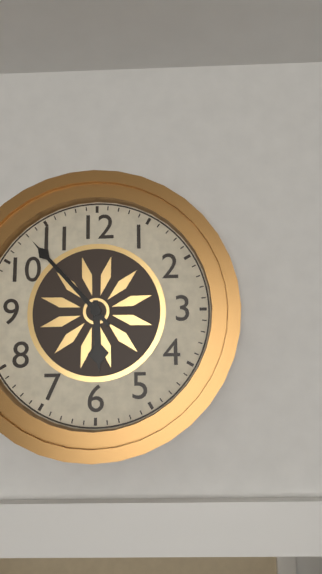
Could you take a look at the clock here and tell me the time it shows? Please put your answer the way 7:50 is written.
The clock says 5:53
